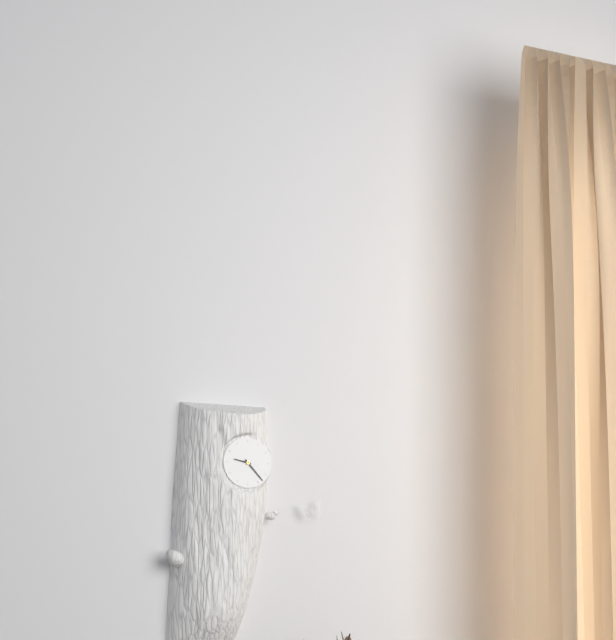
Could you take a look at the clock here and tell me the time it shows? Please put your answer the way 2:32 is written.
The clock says 9:23
